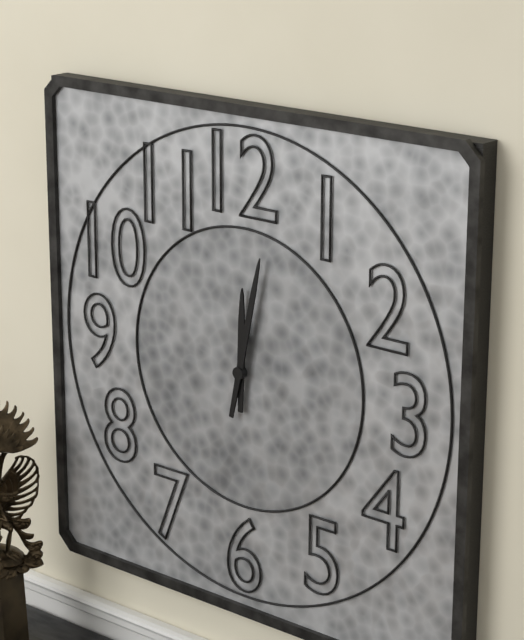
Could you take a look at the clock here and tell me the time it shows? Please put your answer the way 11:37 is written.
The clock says 12:02
